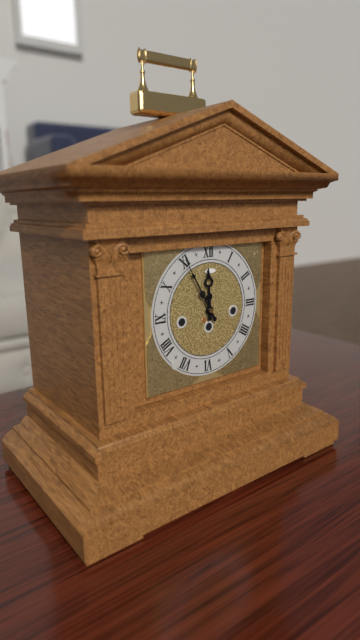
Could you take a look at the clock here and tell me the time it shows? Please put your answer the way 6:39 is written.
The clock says 11:55
